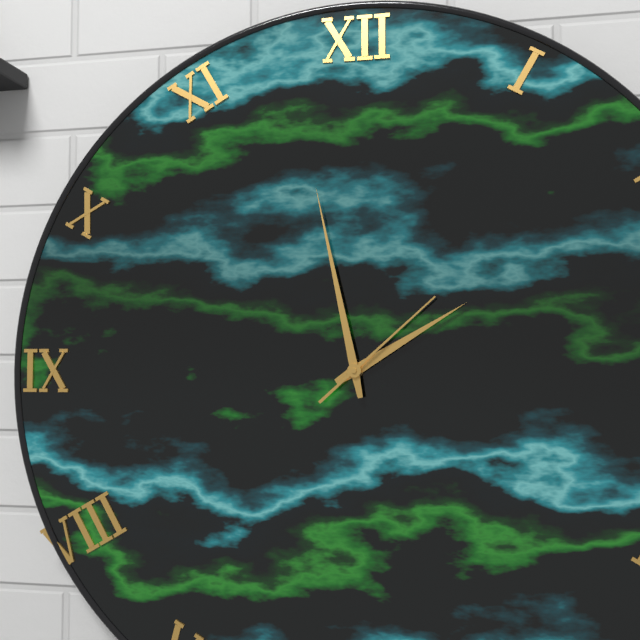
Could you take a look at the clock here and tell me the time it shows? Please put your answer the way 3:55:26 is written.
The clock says 1:58:08
